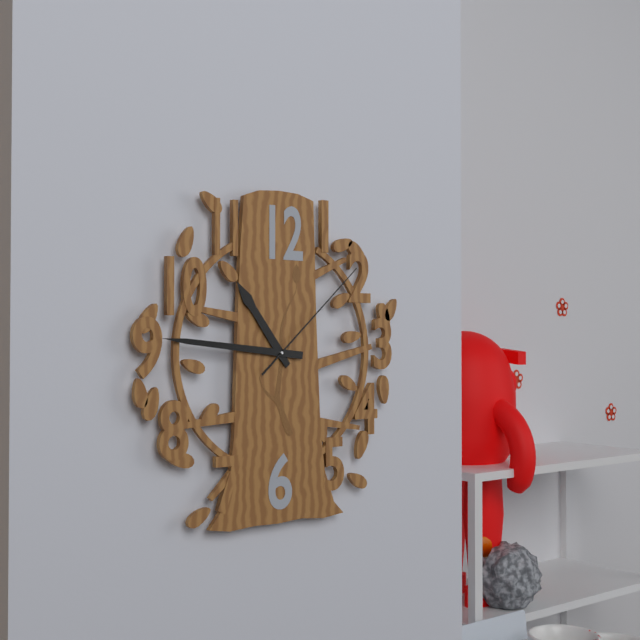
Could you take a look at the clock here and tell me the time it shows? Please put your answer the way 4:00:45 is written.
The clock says 10:46:08
